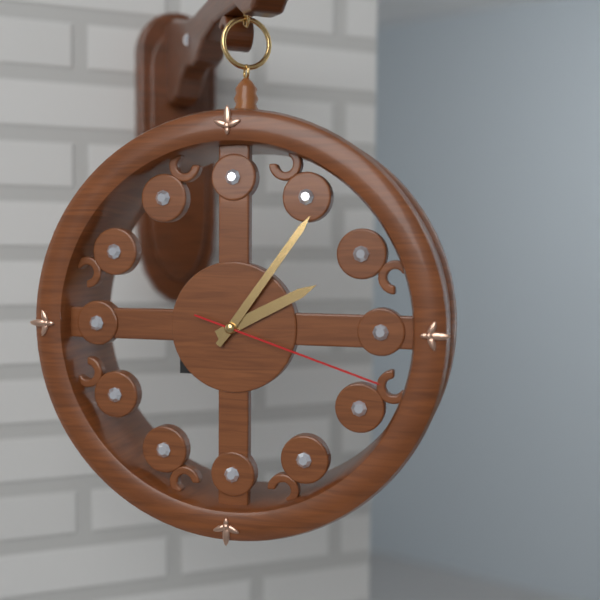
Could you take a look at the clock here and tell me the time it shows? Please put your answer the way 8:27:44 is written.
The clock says 2:06:18
